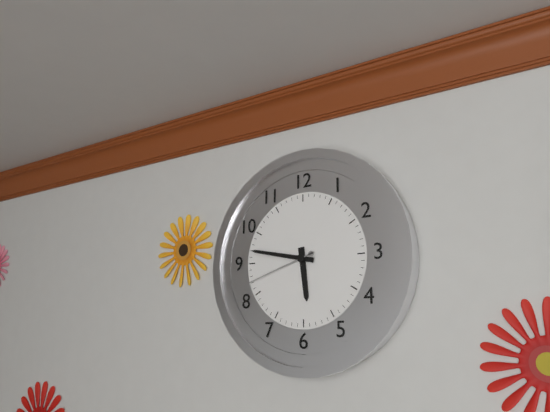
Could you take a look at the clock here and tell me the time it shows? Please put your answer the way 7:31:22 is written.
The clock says 5:47:42
